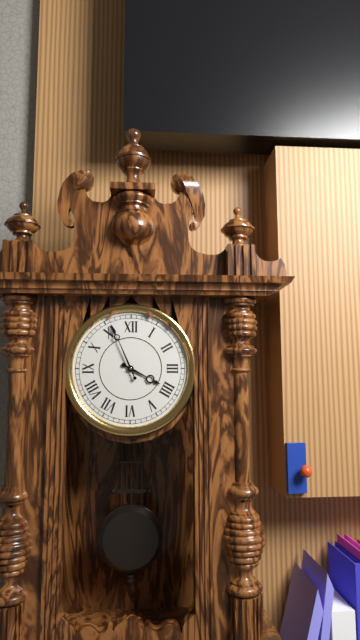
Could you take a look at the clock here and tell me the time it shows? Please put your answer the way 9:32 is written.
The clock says 3:56
